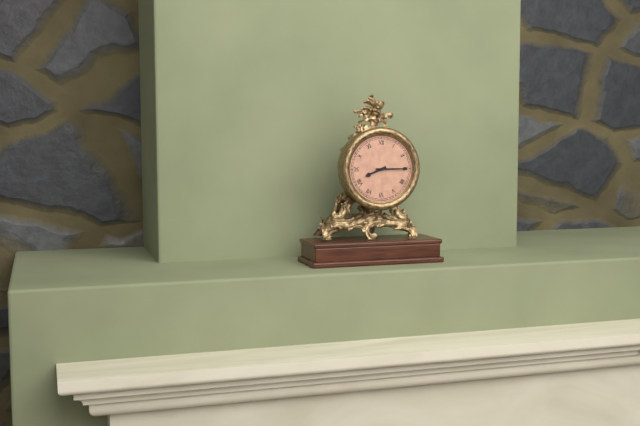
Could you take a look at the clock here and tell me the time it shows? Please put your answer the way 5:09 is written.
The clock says 8:15
